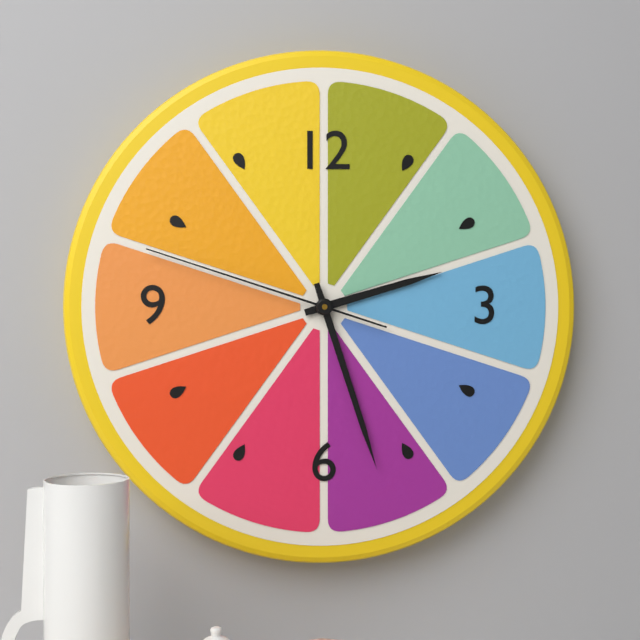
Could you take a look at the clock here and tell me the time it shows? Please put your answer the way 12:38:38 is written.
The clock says 2:27:48
